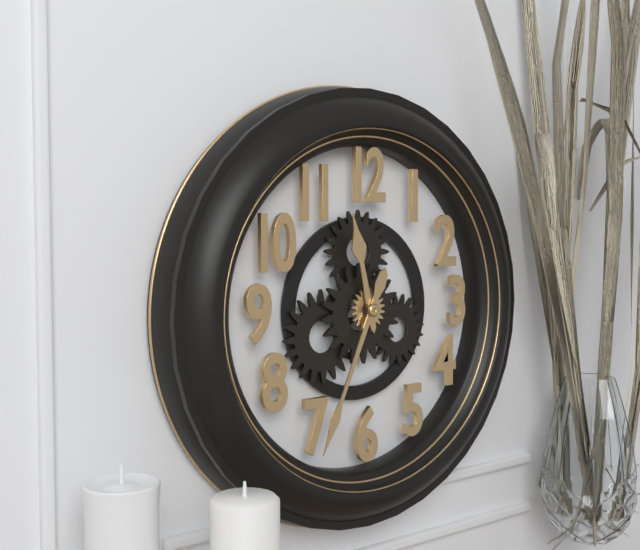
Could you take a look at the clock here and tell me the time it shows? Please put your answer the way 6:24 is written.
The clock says 11:34
